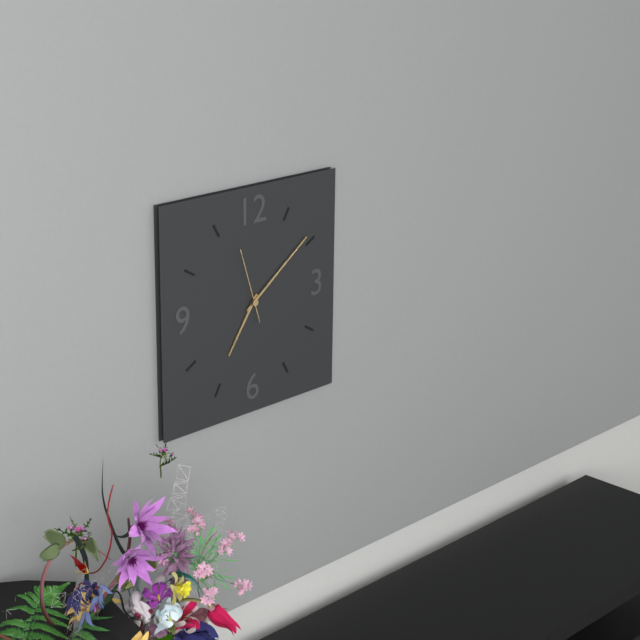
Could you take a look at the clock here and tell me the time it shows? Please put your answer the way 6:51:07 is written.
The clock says 7:09:57
